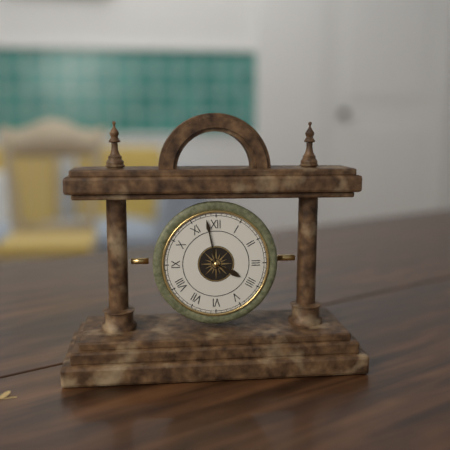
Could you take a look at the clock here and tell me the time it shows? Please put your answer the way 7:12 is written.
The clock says 3:58
